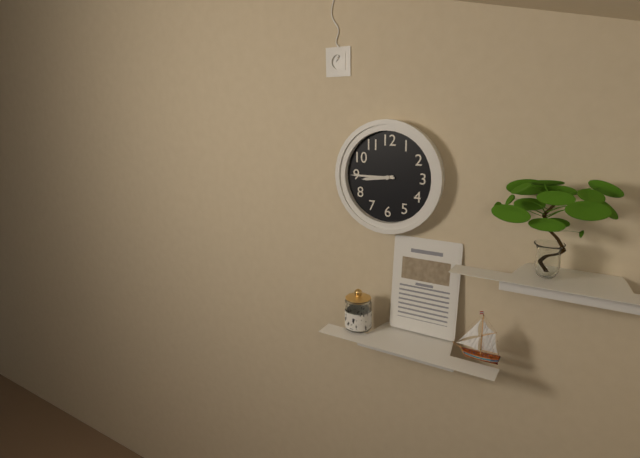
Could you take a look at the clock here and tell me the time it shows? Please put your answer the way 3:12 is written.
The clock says 8:45
